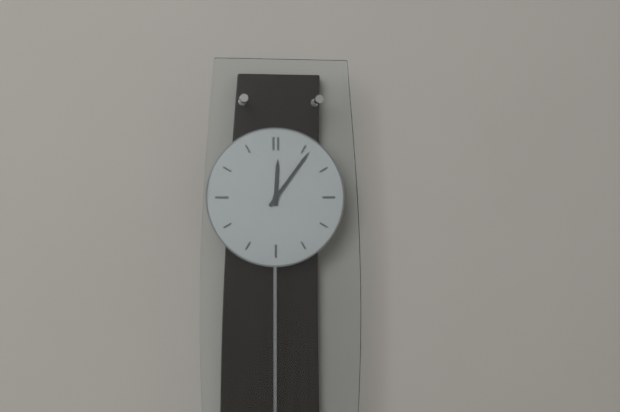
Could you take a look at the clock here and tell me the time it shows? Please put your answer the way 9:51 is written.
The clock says 12:06
